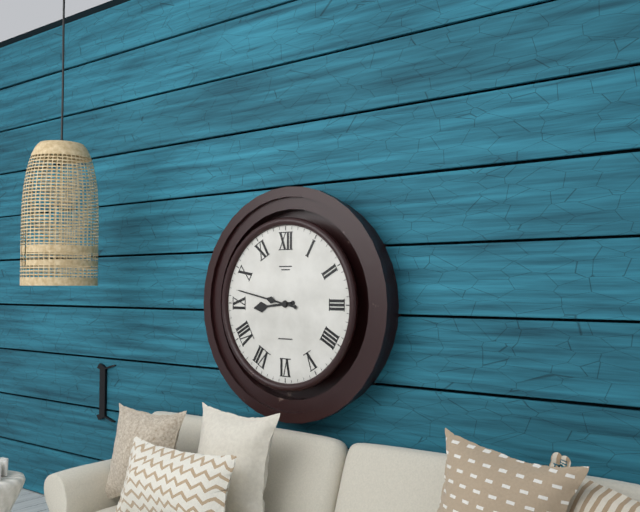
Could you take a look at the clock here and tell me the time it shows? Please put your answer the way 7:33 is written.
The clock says 8:47
